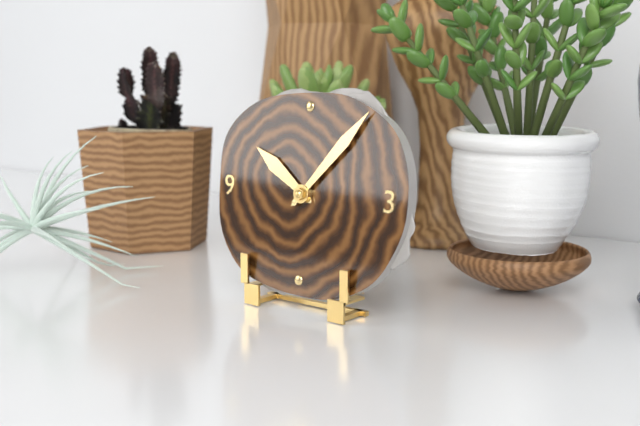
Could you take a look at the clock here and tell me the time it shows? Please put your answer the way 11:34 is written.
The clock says 10:07
